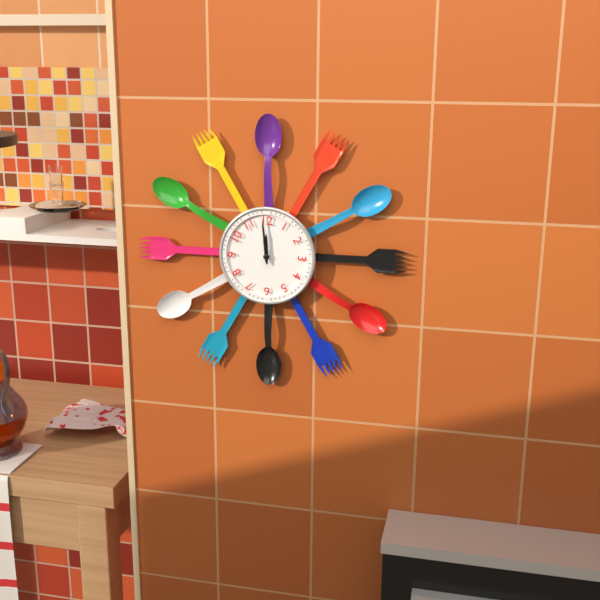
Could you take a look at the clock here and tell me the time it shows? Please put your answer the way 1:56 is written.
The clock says 11:59
